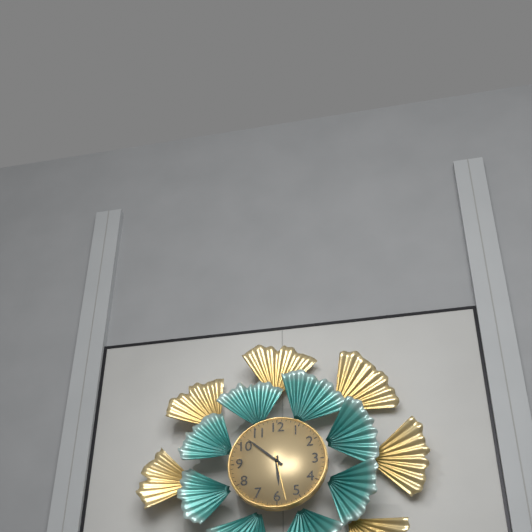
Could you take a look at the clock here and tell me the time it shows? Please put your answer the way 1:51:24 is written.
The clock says 5:52:28
